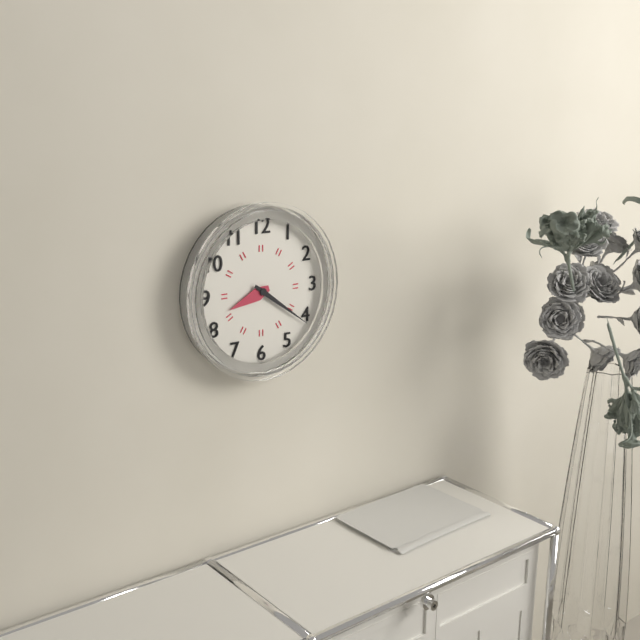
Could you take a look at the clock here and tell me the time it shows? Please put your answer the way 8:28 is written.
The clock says 8:21
